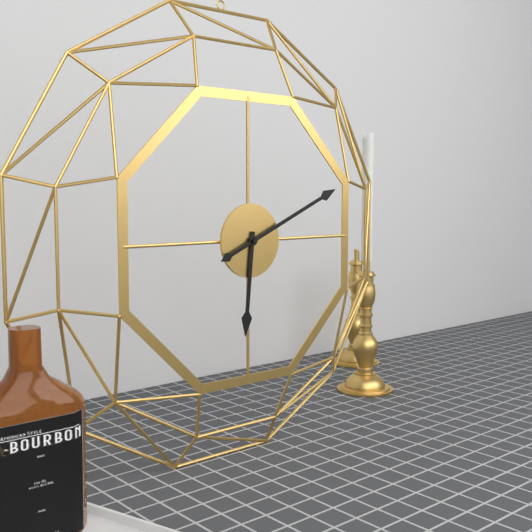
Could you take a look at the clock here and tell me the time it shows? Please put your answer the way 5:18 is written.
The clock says 6:11
